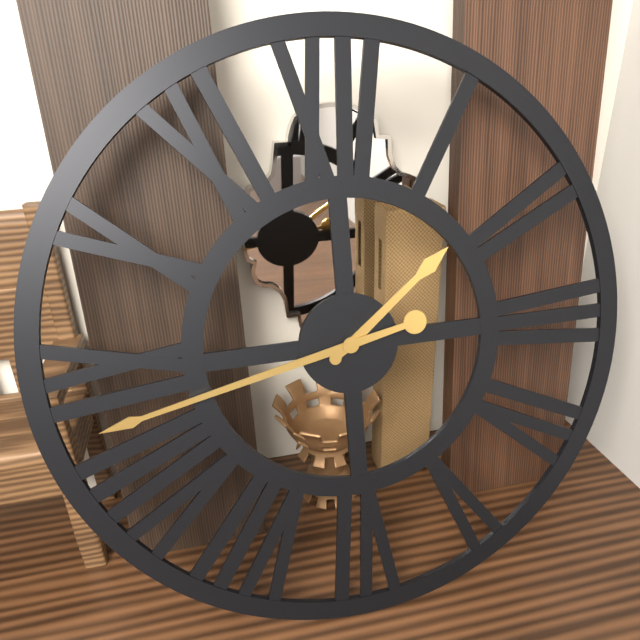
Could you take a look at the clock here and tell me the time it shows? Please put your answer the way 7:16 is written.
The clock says 1:43
